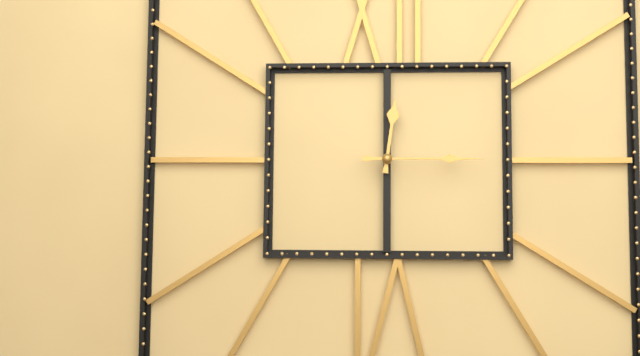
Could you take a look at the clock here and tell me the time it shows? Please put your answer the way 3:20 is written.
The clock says 12:15
